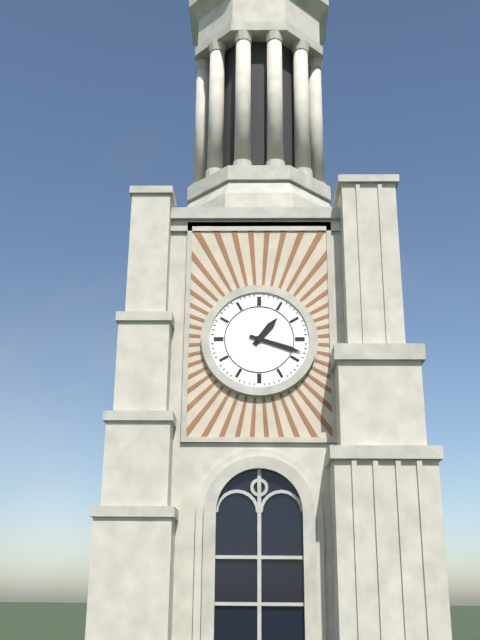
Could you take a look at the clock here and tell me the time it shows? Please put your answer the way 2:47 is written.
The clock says 1:18
